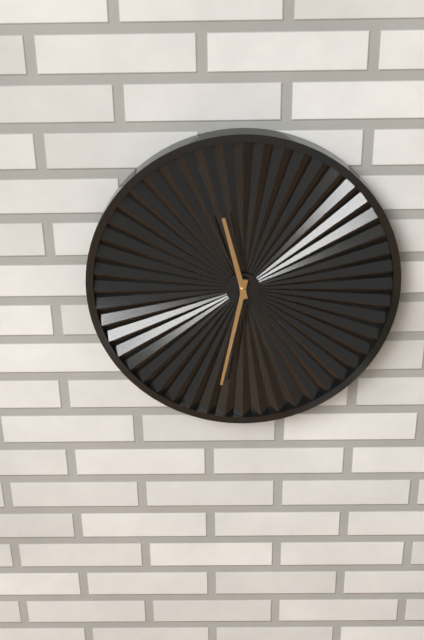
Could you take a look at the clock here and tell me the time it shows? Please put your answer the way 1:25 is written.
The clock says 11:32
